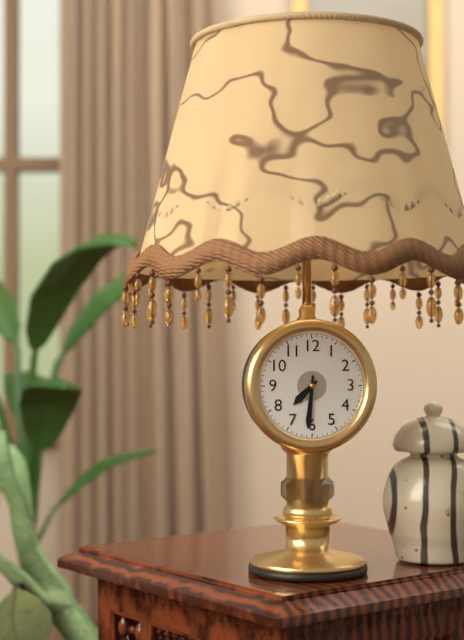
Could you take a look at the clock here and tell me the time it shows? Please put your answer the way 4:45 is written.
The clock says 7:31
